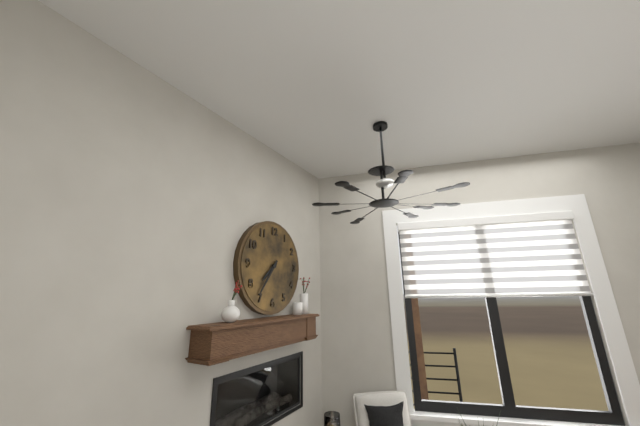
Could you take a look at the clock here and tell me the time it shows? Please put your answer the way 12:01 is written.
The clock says 7:36
